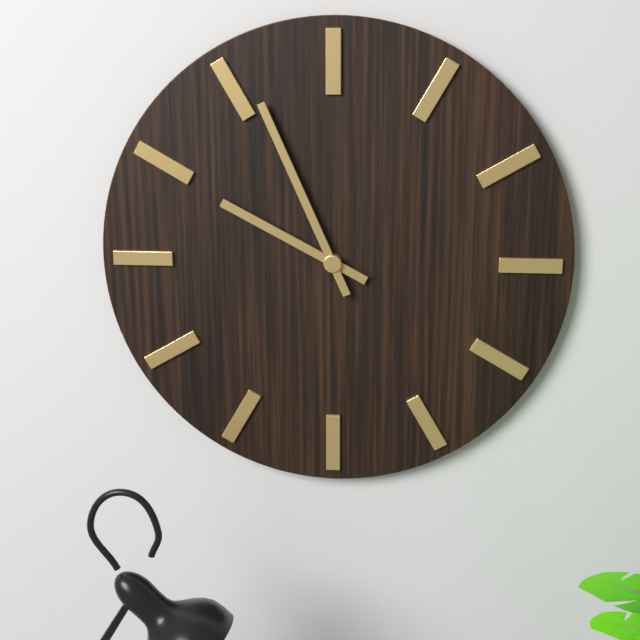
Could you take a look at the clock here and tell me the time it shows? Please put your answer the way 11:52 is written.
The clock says 9:56
